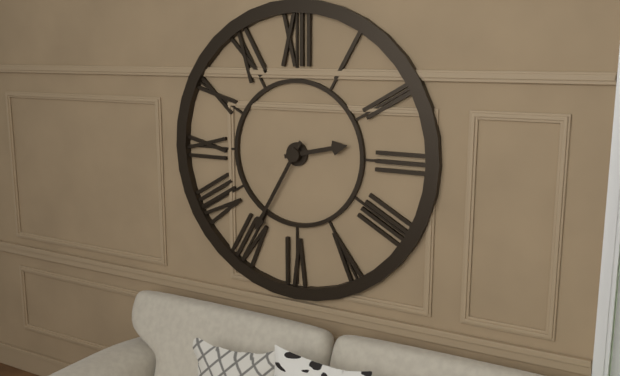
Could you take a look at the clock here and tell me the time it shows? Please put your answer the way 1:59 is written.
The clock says 2:35
